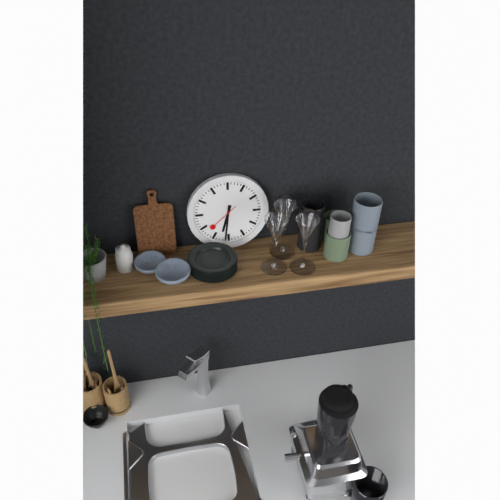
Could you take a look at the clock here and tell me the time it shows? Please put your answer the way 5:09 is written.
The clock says 6:31
